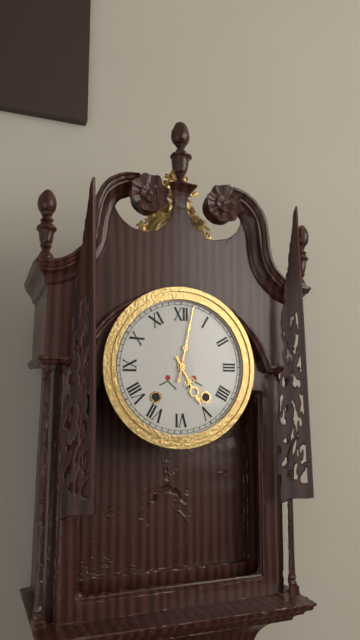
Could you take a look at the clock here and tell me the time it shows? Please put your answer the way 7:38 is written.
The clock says 5:02
